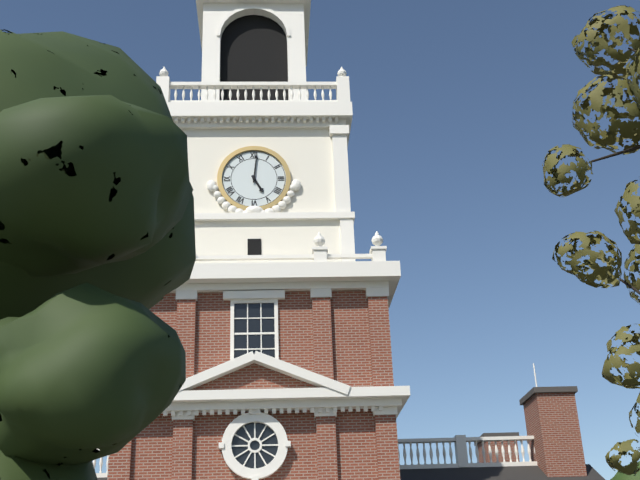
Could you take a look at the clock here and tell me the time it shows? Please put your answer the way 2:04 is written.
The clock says 5:01
